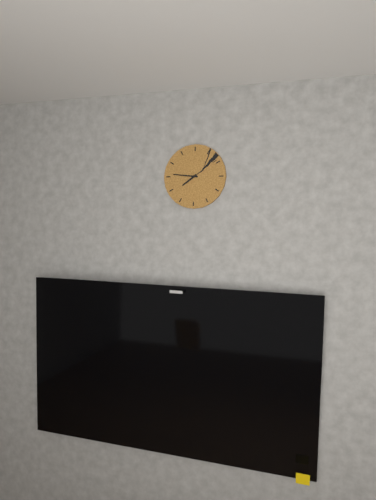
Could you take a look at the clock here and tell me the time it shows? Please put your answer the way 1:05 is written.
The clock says 7:46
